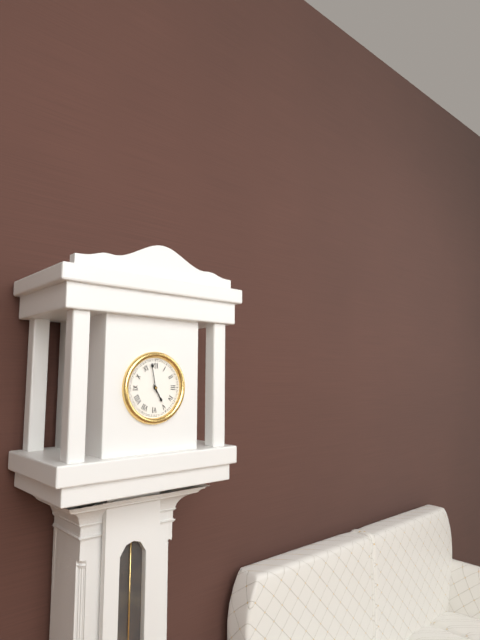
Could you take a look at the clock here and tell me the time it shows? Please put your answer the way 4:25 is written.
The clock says 4:58
